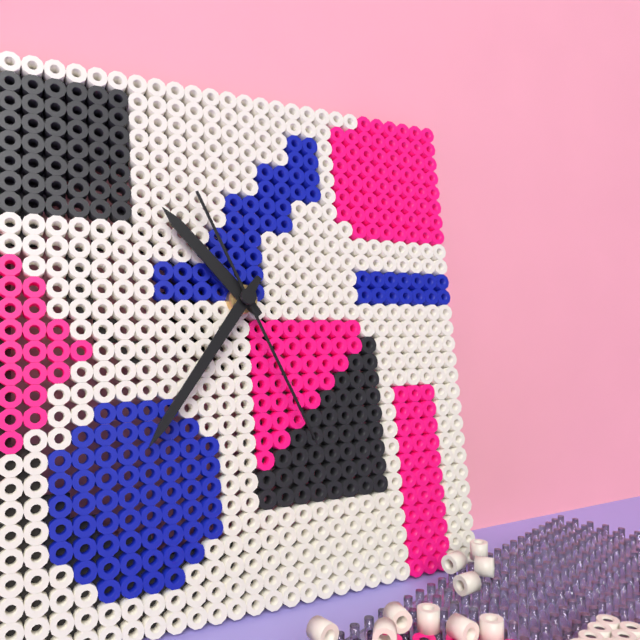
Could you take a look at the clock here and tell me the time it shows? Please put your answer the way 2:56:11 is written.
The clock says 10:36:26
